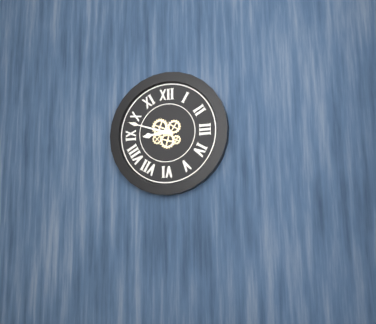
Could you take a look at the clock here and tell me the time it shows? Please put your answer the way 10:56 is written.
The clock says 8:48
